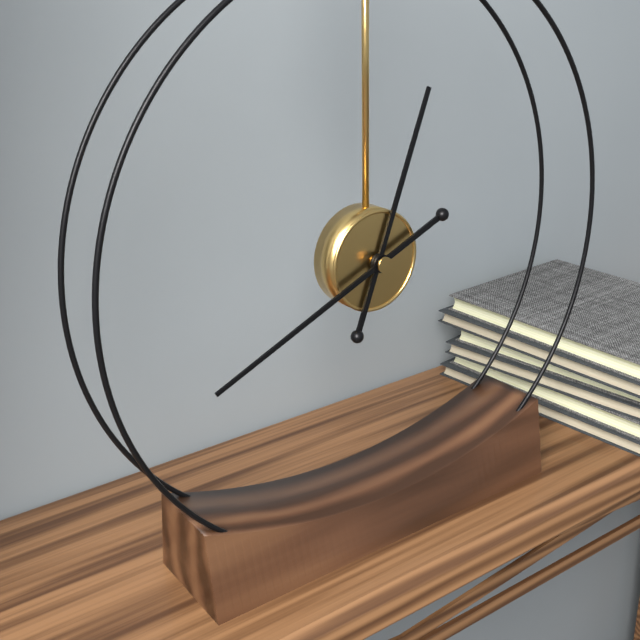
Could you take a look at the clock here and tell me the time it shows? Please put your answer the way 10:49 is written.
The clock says 12:41
